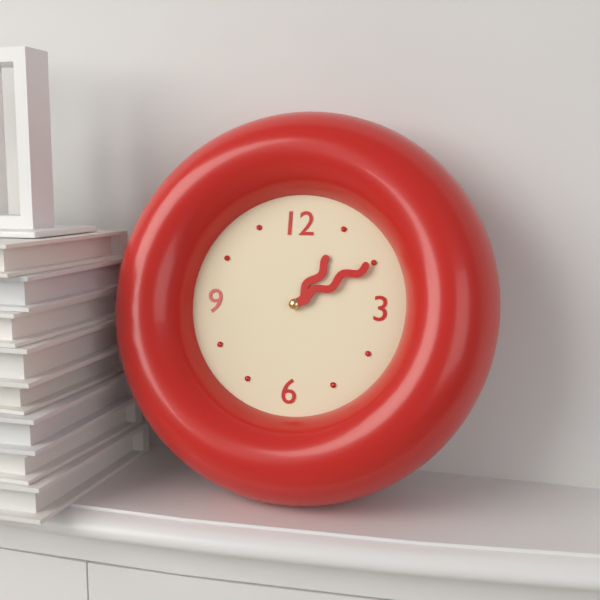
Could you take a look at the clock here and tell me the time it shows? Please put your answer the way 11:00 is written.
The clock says 1:10
